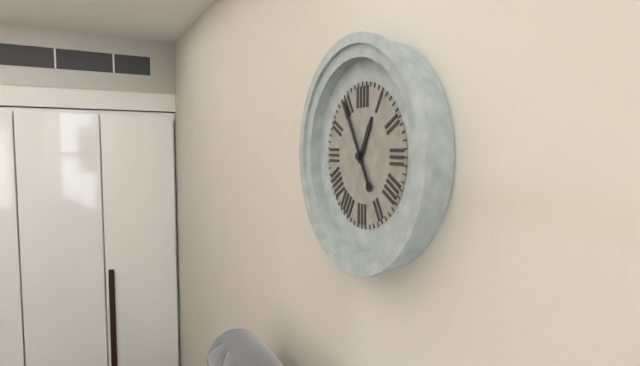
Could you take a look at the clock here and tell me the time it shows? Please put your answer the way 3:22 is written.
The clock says 12:55
